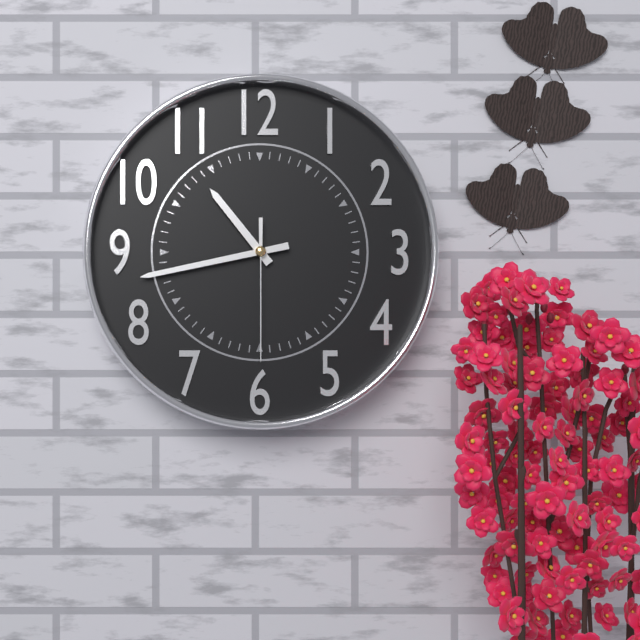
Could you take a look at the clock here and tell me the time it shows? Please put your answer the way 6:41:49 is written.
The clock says 10:43:30
